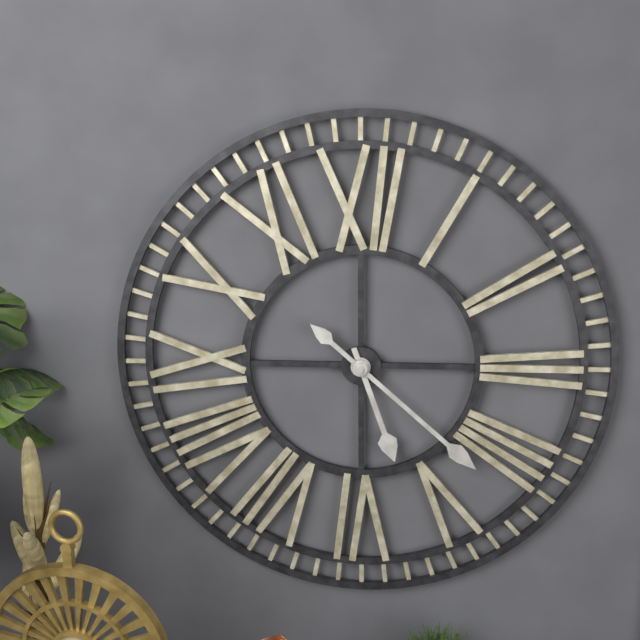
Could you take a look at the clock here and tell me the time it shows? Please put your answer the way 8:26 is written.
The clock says 5:22
